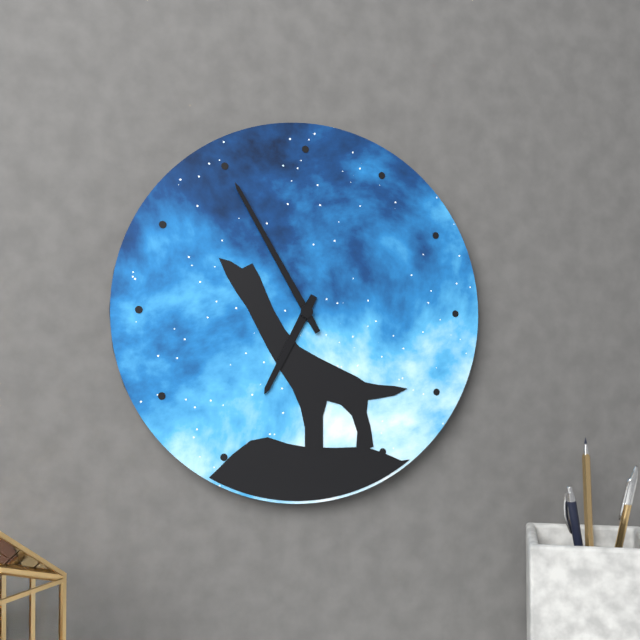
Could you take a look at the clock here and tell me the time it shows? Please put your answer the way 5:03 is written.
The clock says 6:55
